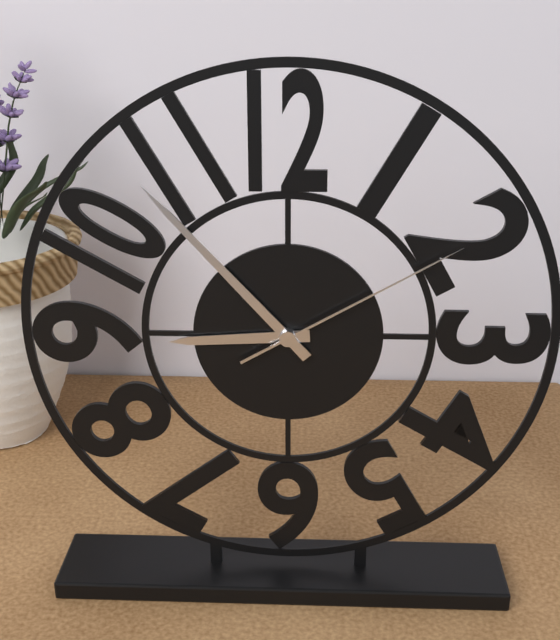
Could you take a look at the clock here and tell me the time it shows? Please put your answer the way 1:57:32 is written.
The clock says 8:53:10
